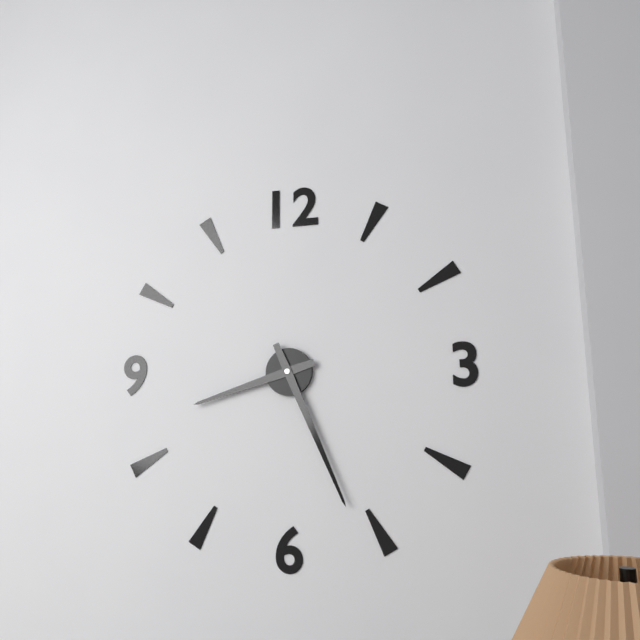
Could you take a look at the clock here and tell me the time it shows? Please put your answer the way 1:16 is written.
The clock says 8:26
